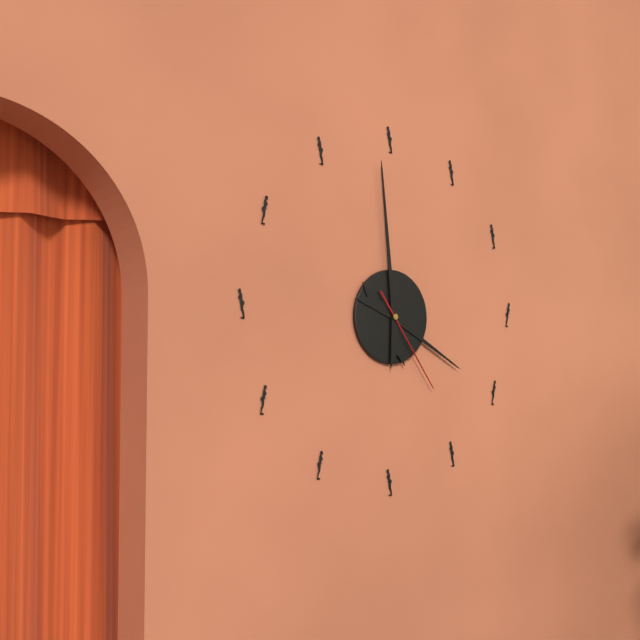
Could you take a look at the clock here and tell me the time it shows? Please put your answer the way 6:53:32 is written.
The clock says 3:59:24
